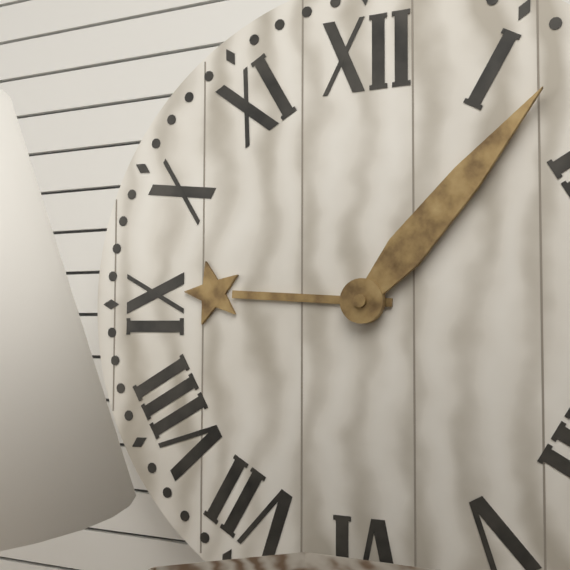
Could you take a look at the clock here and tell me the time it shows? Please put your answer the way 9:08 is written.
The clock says 9:07
